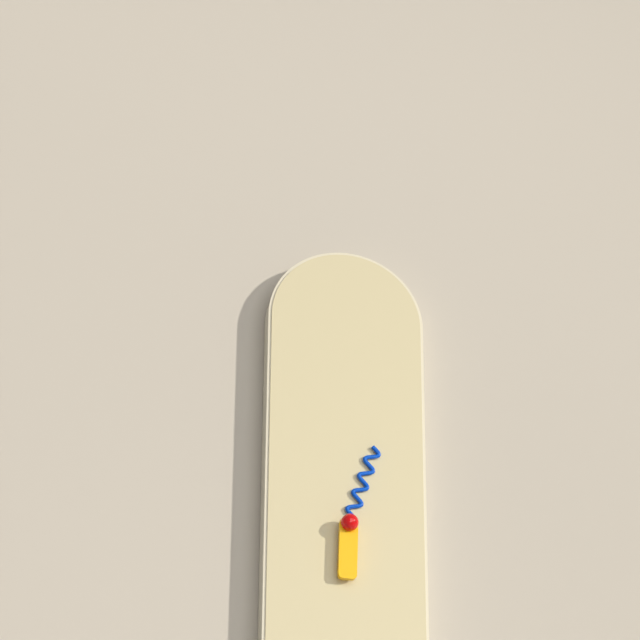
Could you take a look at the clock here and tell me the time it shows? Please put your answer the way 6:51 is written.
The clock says 6:03
